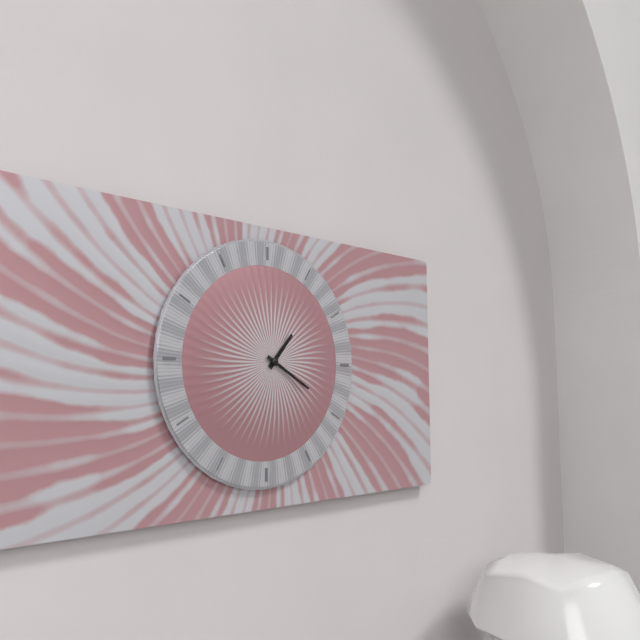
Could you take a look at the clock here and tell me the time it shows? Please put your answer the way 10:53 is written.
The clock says 1:20
